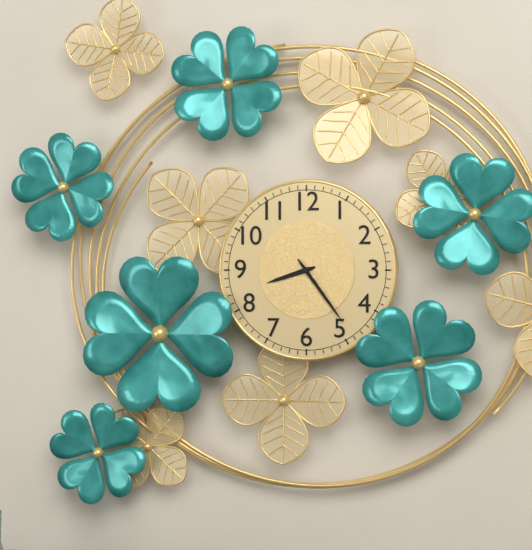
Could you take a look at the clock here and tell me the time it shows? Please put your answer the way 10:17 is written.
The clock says 8:24
